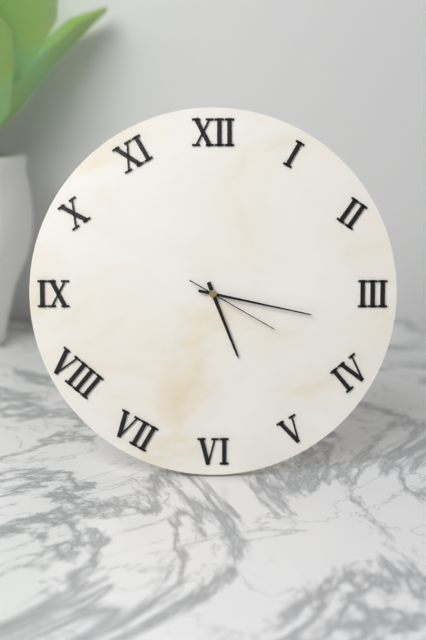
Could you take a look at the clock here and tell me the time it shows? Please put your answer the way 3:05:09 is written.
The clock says 5:17:20
